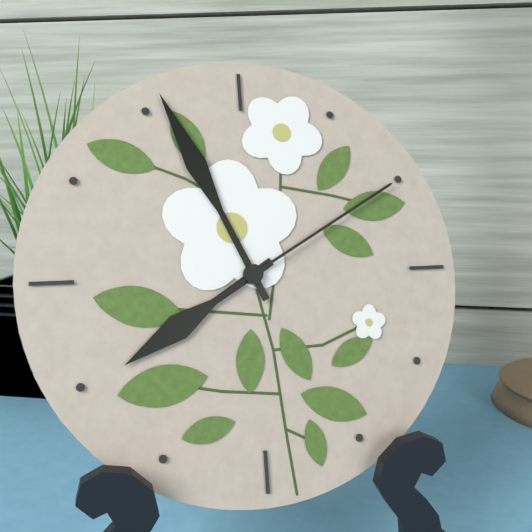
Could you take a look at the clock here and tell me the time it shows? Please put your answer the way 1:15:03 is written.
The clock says 7:56:10
